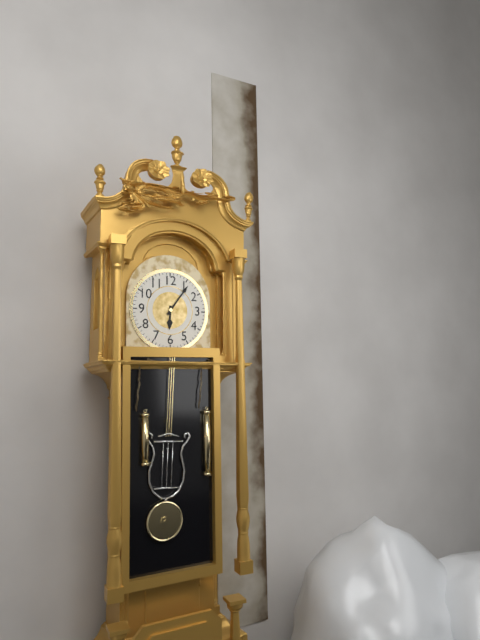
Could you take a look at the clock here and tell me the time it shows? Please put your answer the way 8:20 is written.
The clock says 6:06
